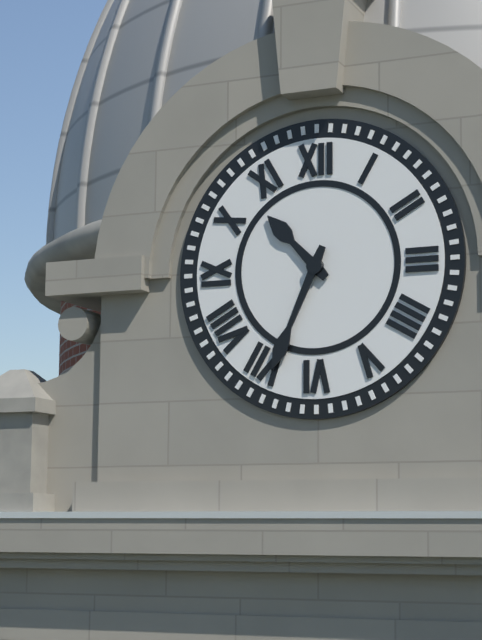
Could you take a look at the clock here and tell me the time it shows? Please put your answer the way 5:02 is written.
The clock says 10:34
